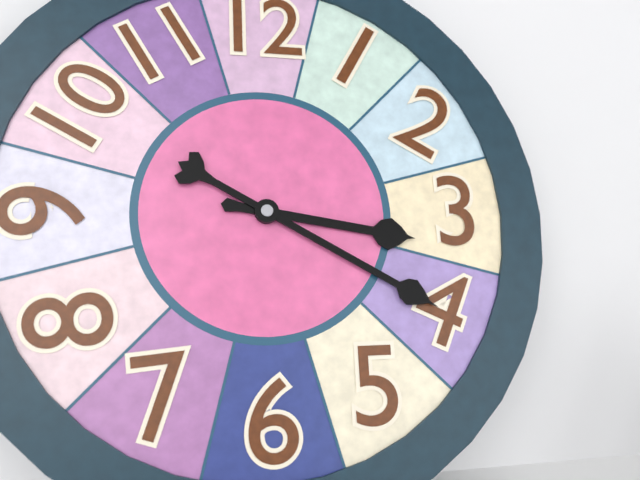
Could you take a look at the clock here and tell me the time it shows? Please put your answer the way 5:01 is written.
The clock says 3:20
